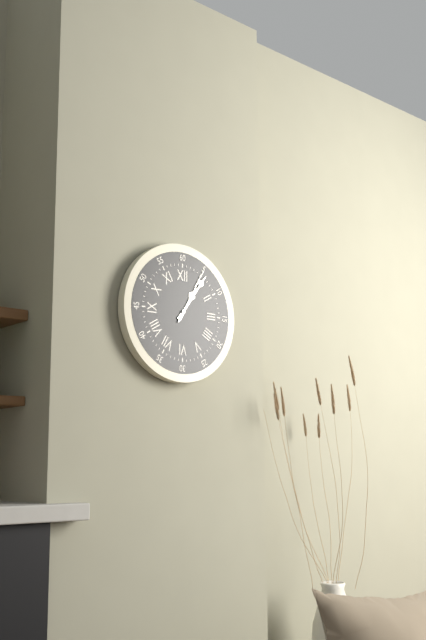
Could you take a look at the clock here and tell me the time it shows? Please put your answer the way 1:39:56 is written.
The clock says 1:06:05
